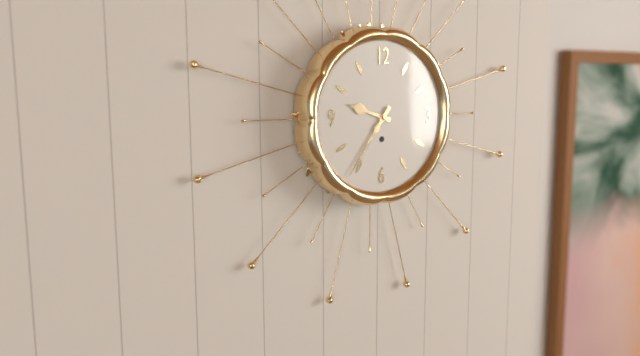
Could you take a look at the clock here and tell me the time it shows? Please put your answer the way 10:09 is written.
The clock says 9:36
